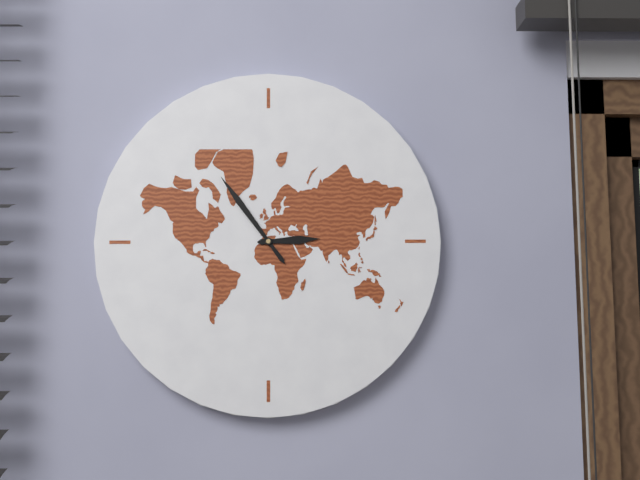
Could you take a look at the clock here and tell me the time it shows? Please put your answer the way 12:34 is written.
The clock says 2:54
